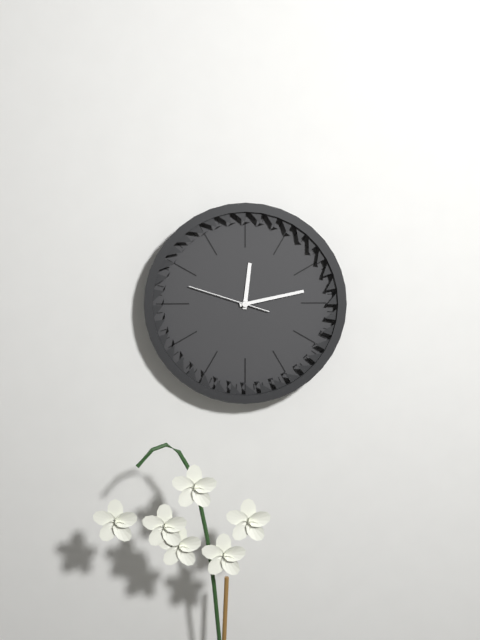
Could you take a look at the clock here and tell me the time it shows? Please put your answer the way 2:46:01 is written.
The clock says 12:13:48
